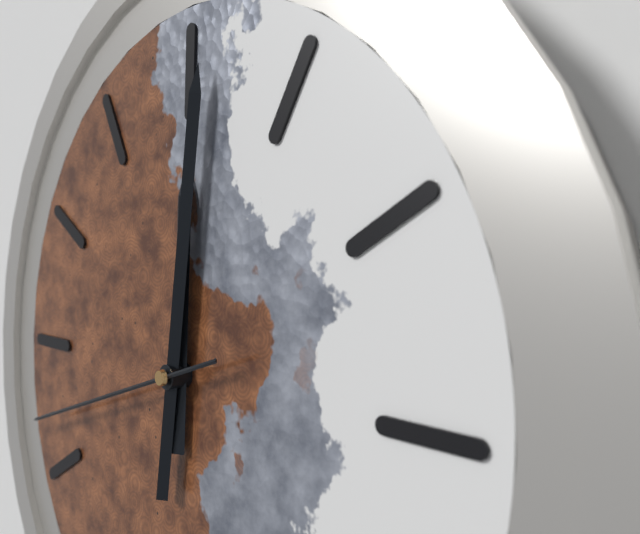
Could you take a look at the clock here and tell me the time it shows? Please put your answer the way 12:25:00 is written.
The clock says 12:01:42
